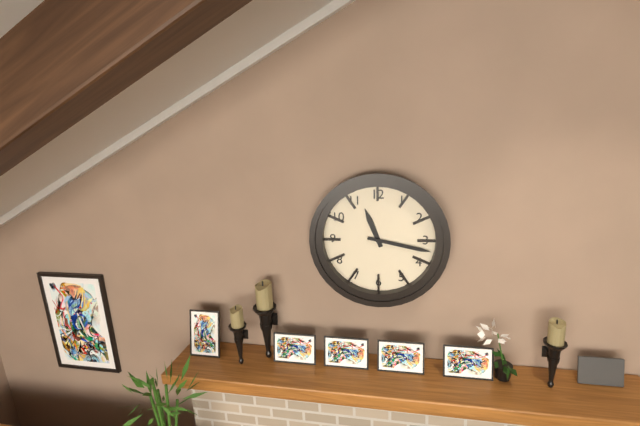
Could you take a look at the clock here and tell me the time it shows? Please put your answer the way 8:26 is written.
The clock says 11:17
